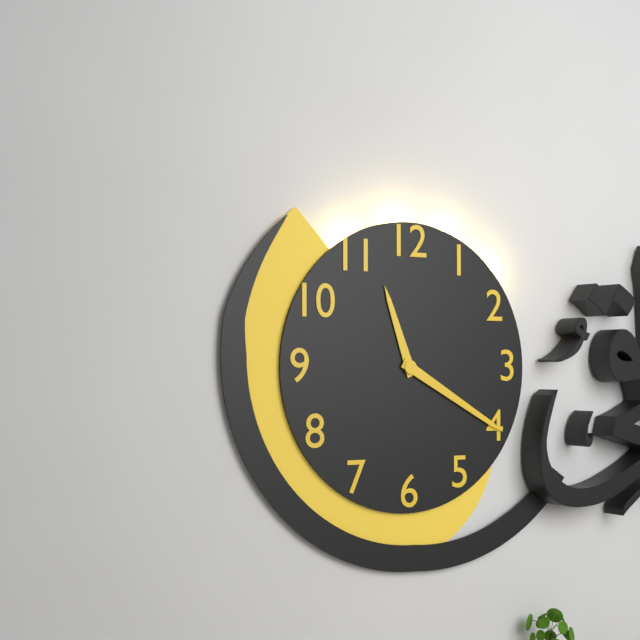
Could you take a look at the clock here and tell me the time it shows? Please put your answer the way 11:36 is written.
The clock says 11:20
